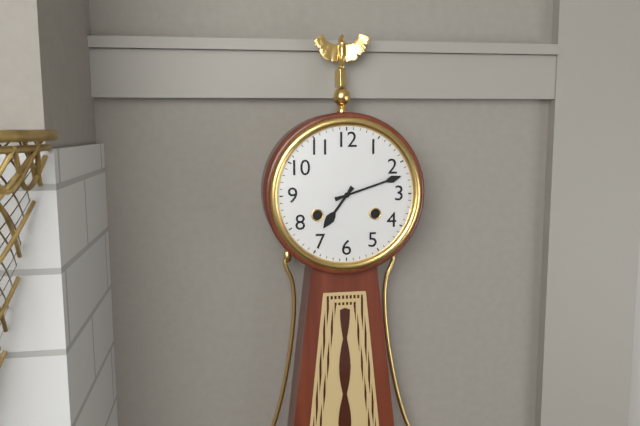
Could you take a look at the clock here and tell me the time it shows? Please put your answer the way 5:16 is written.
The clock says 7:12
